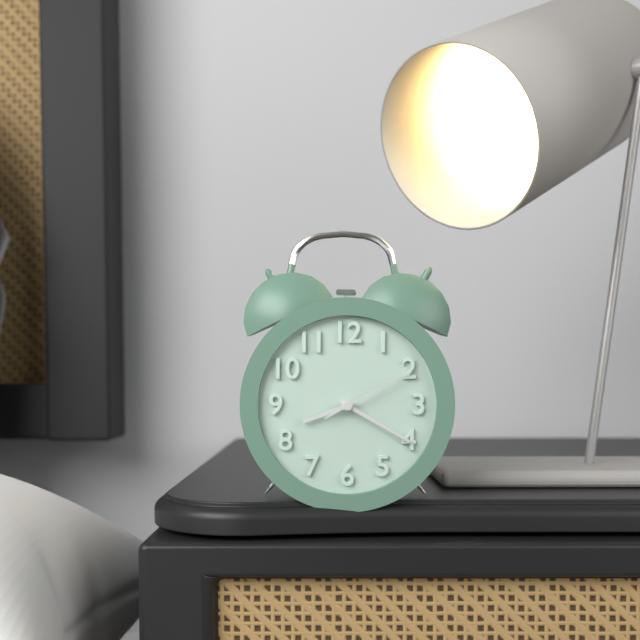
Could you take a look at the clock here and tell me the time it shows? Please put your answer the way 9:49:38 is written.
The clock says 8:20:10
